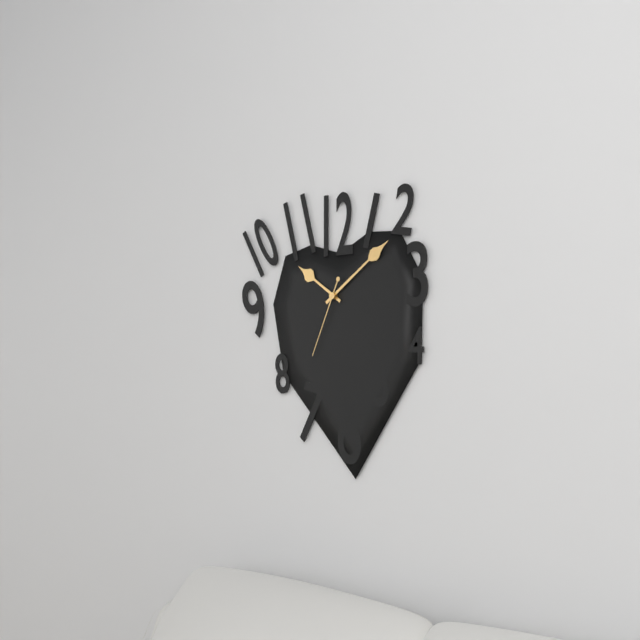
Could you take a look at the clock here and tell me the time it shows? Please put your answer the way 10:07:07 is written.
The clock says 10:09:34
